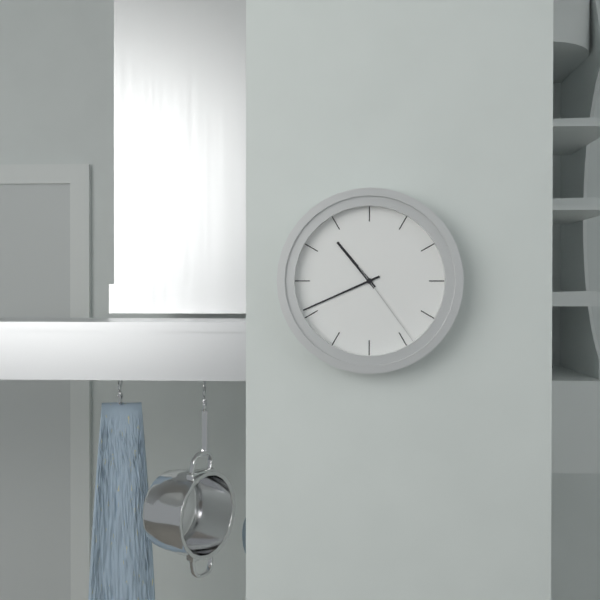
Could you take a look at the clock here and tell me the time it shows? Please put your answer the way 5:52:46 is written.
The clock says 10:41:24
